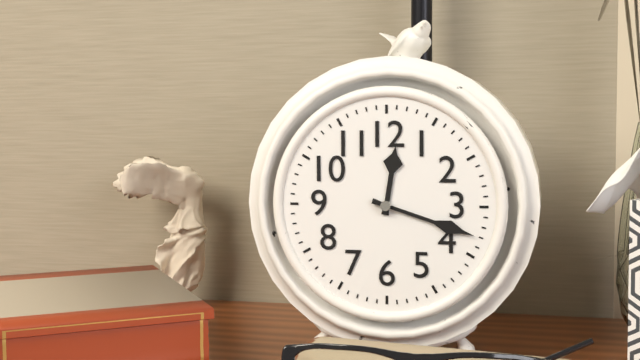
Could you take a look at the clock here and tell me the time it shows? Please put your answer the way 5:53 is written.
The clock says 12:18
